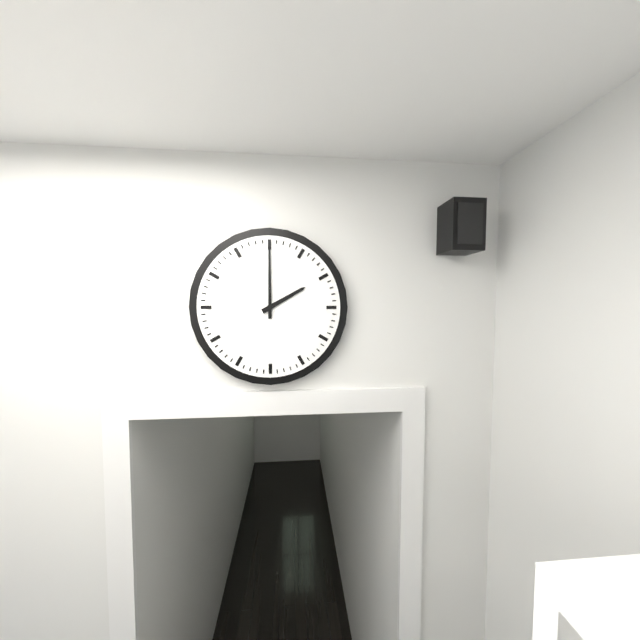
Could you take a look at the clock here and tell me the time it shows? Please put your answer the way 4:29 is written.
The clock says 2:00
